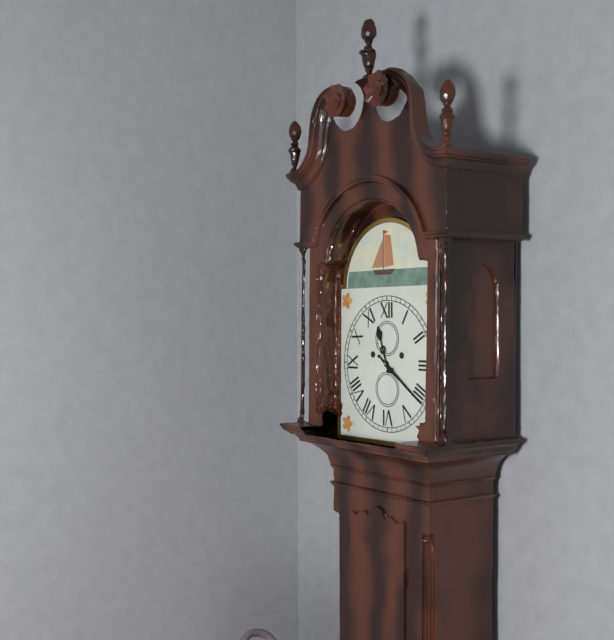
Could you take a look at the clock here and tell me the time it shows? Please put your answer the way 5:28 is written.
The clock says 11:21
